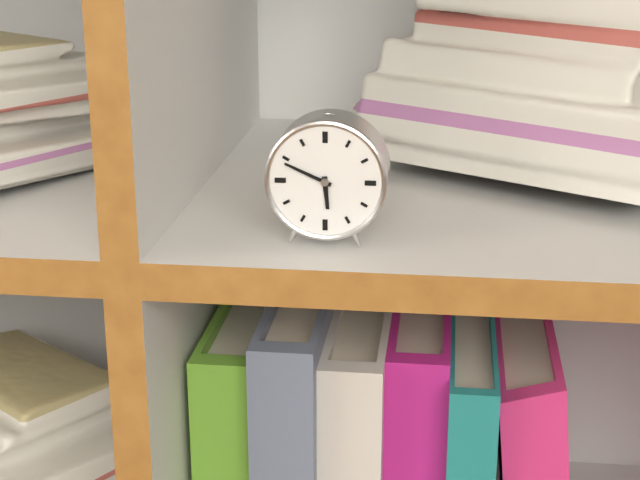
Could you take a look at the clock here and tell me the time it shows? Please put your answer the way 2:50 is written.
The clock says 5:49
